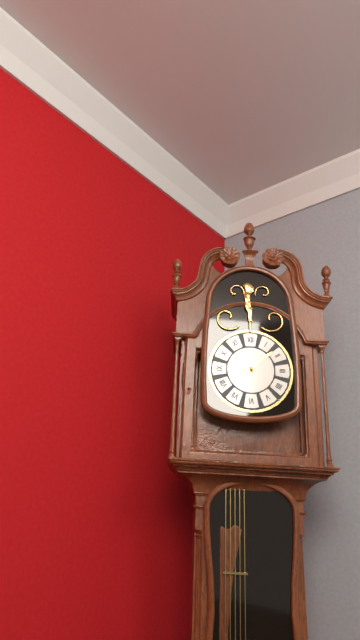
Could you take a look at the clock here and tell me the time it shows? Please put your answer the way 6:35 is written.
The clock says 9:08
